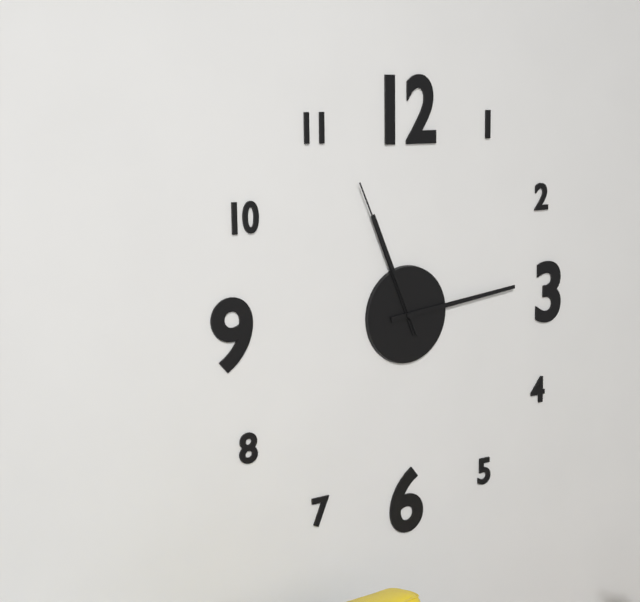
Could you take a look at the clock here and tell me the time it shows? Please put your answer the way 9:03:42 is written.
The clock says 11:14:56
